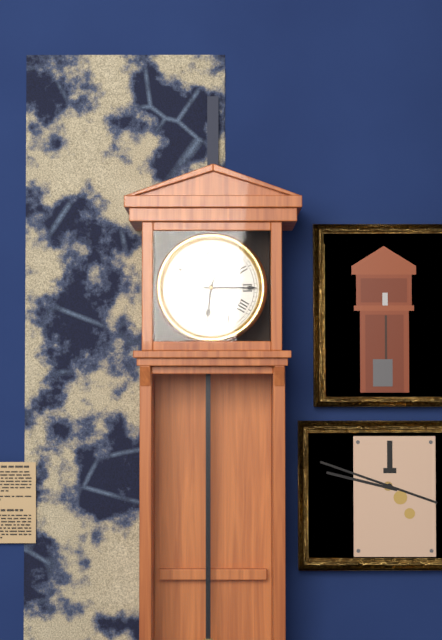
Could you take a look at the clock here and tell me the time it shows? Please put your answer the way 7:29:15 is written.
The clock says 6:15:03
